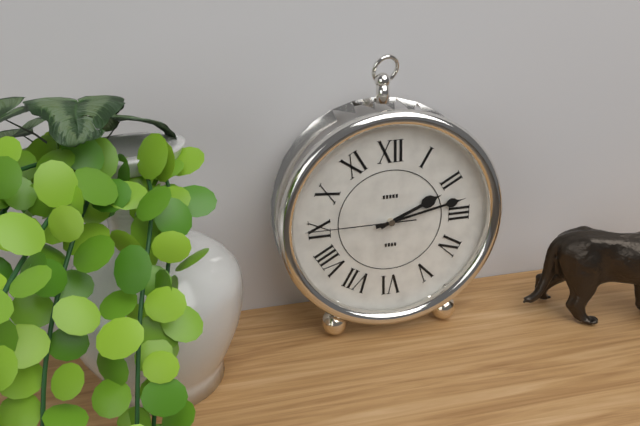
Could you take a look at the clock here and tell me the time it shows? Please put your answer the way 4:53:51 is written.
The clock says 2:13:45
